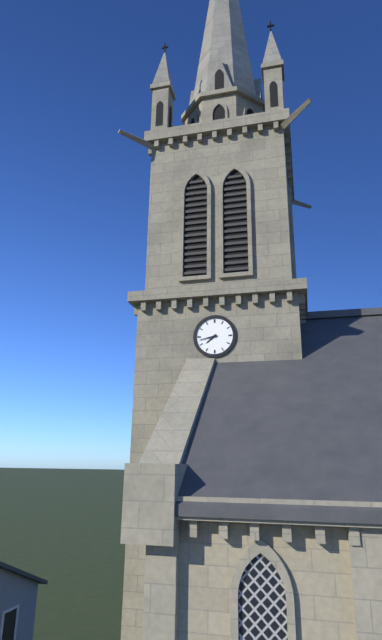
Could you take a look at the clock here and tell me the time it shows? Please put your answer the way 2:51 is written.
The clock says 7:43
